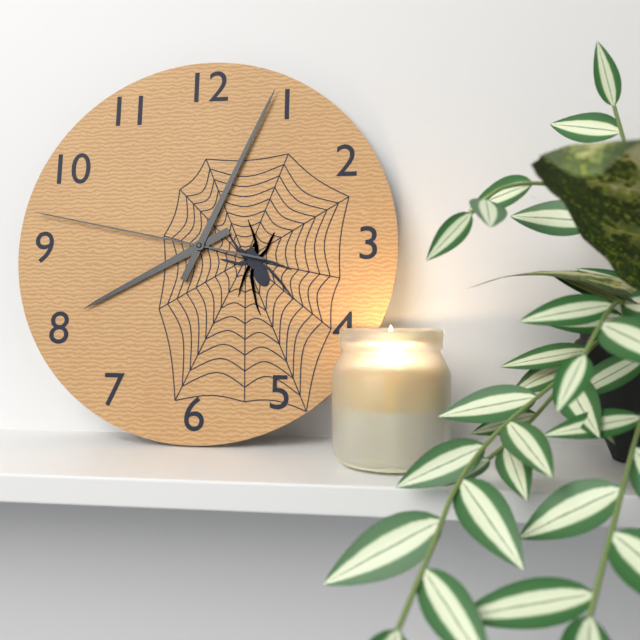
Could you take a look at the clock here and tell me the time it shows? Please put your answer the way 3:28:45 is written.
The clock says 8:04:47
